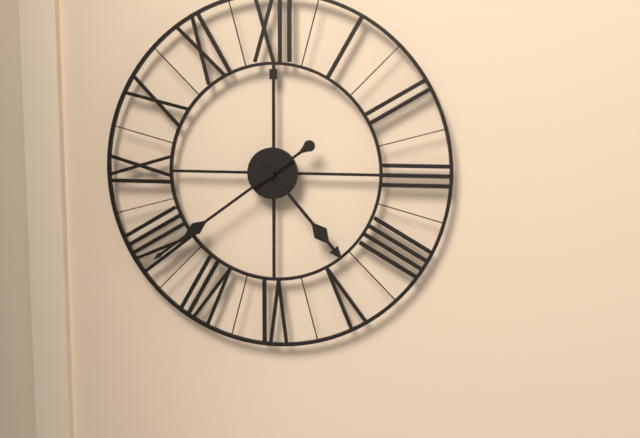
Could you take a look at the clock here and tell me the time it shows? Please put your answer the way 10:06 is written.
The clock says 4:39
